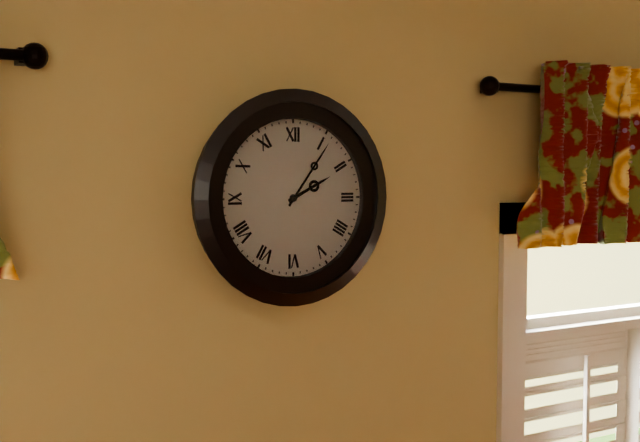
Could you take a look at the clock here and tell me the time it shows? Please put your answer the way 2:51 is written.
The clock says 2:06
